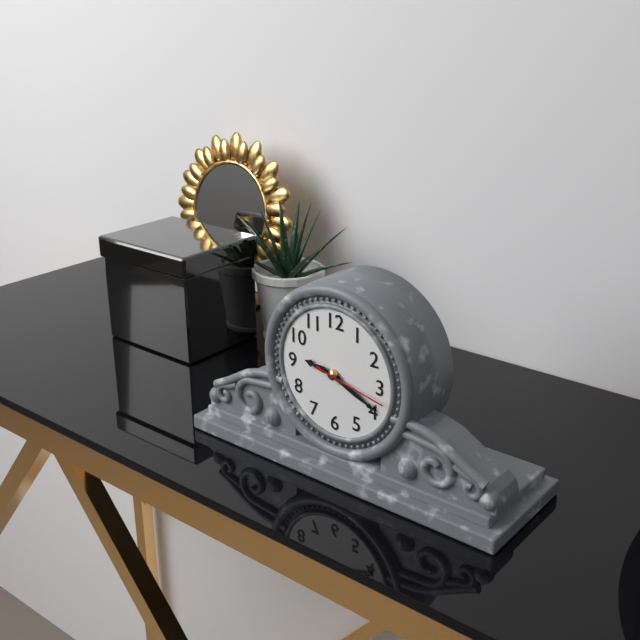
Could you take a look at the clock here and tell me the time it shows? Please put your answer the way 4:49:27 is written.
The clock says 9:19:17
